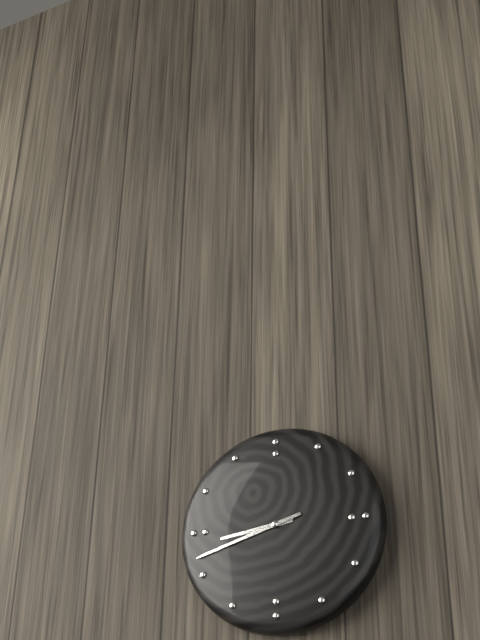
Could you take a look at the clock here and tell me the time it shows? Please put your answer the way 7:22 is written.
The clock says 8:42
